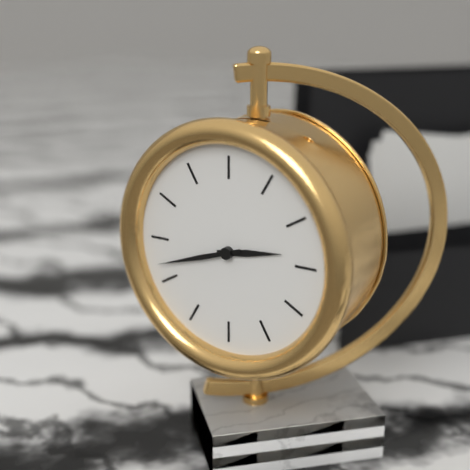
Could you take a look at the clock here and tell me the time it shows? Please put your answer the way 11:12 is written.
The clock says 2:42
